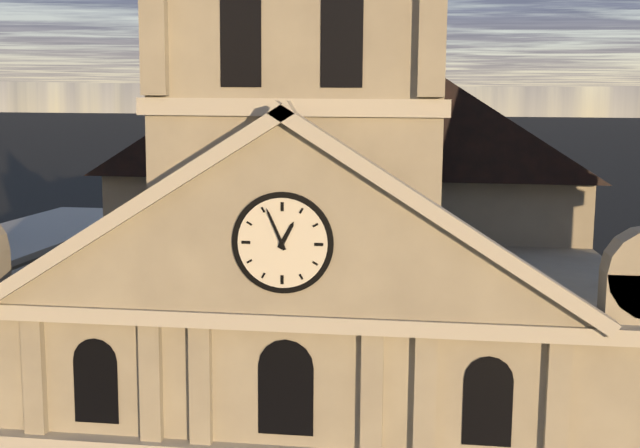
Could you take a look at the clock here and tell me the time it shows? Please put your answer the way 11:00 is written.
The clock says 12:56
